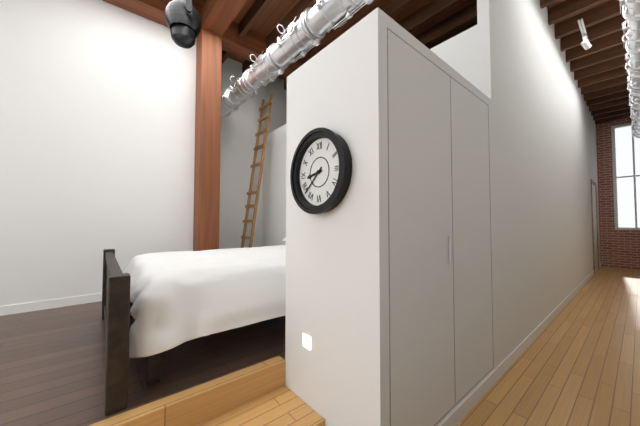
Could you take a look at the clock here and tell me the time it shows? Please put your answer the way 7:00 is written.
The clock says 8:38
